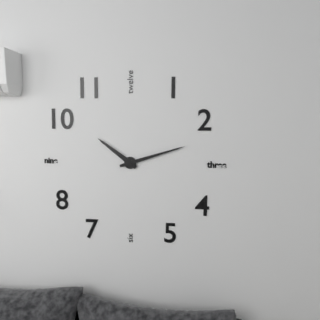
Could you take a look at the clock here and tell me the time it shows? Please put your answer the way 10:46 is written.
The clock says 10:12
